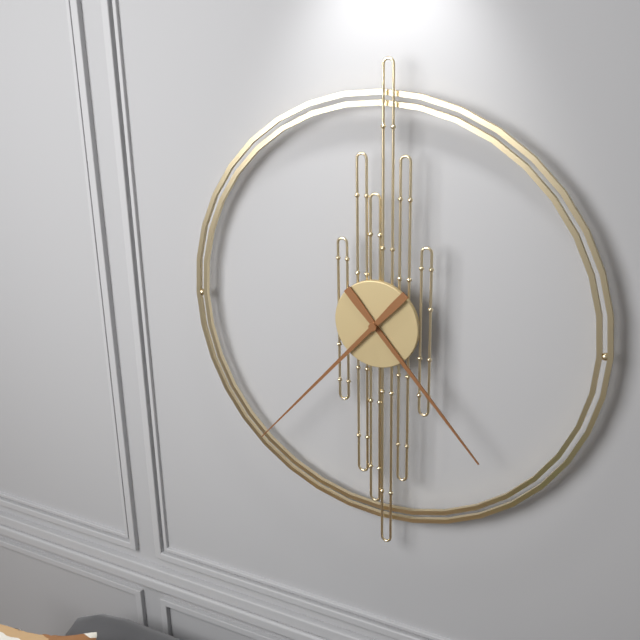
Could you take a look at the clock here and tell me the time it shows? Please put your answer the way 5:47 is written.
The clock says 4:37
